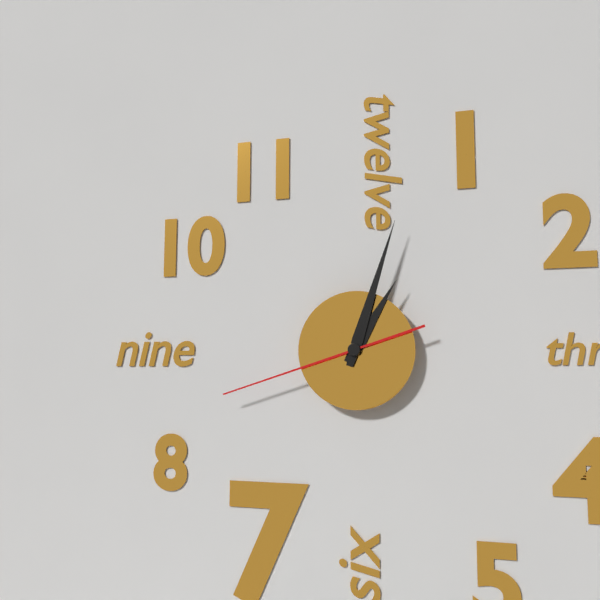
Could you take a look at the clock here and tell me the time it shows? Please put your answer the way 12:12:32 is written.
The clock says 1:03:42
